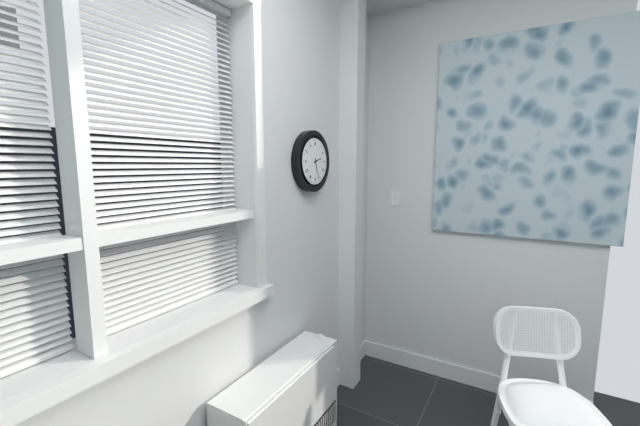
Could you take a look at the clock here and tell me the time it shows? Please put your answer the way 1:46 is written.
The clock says 2:27
